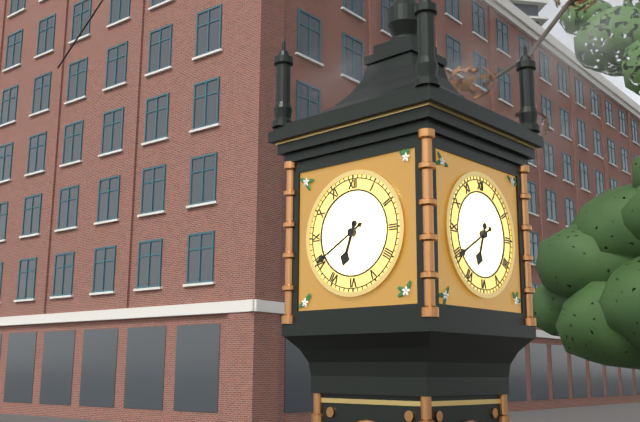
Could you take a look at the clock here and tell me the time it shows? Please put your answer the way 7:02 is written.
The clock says 6:40
